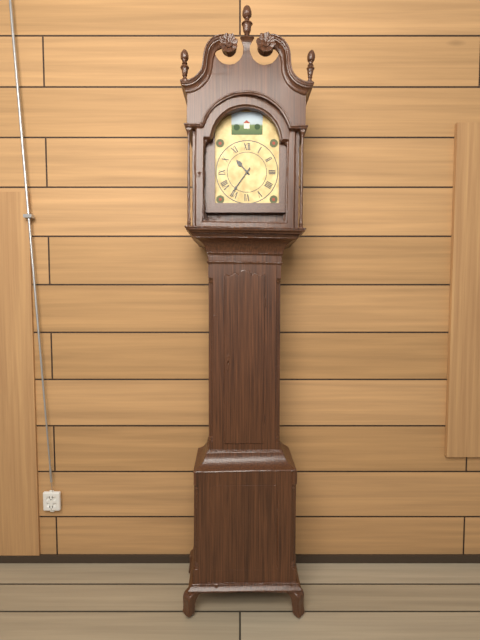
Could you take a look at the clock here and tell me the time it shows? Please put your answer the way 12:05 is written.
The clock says 10:36
